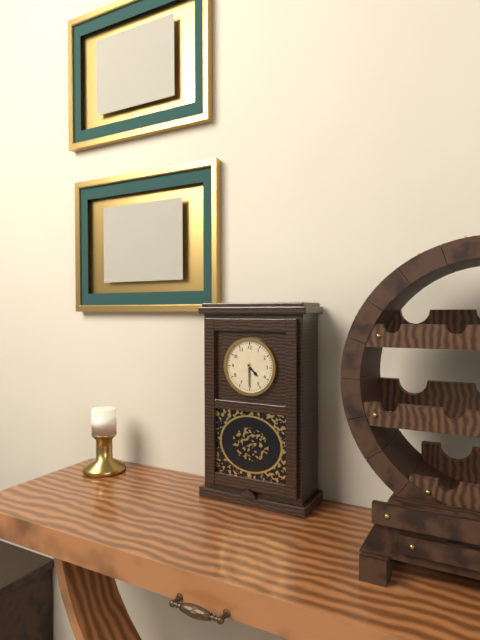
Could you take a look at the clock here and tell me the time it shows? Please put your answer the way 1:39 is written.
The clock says 4:30
